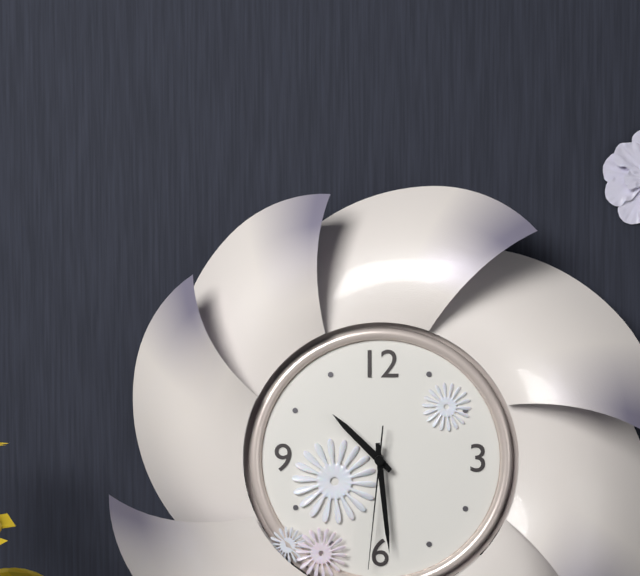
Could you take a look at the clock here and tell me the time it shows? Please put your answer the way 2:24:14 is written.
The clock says 10:29:31
